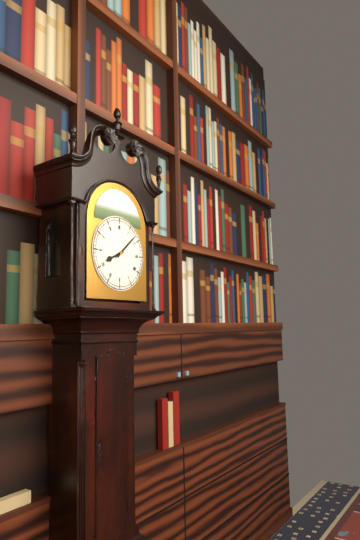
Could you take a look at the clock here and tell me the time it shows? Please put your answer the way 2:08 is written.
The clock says 8:08
